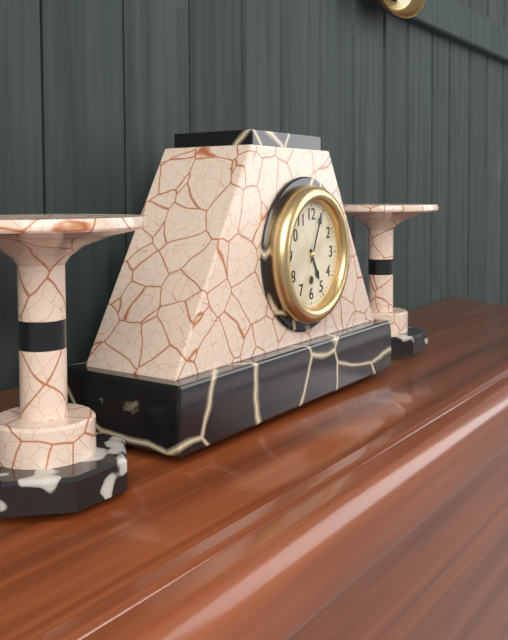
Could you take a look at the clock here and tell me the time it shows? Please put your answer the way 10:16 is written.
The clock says 5:04
